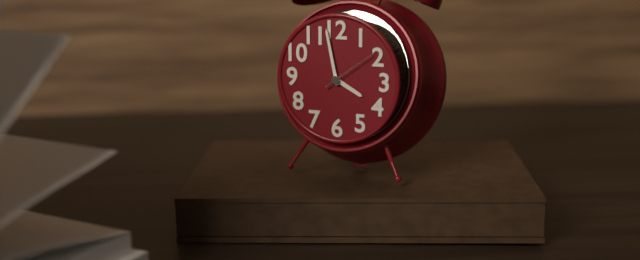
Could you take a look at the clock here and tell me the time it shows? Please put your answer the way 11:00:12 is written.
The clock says 3:58:09
